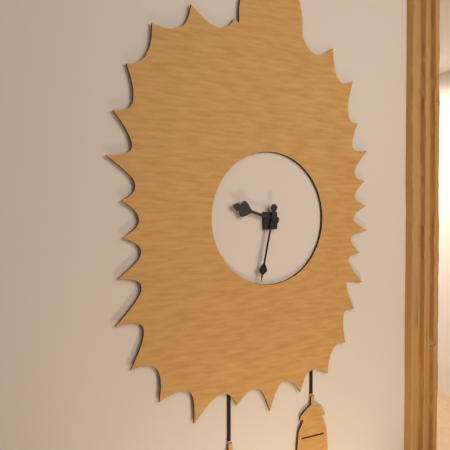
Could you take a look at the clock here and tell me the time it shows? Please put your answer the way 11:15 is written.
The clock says 9:32
